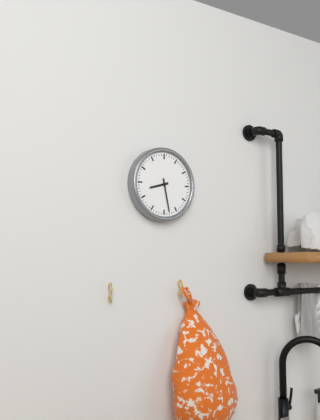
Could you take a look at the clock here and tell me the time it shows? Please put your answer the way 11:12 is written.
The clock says 8:28
